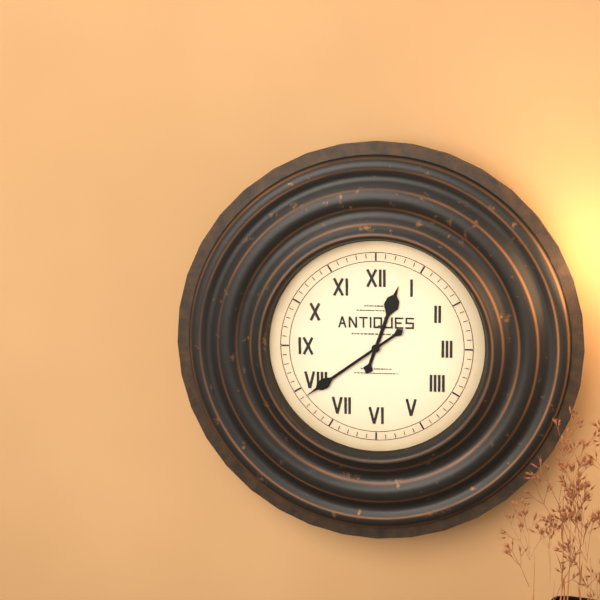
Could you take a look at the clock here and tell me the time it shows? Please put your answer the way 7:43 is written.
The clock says 12:39
